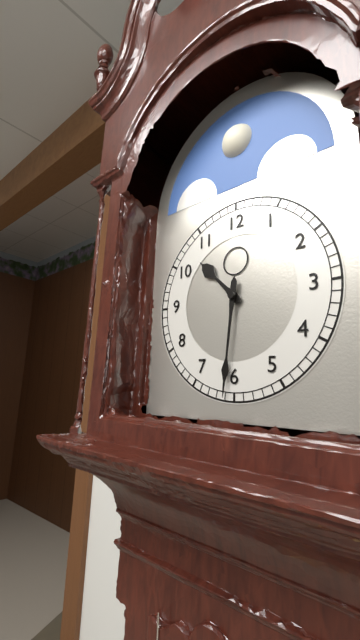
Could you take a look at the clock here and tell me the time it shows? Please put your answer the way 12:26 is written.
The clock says 10:31
